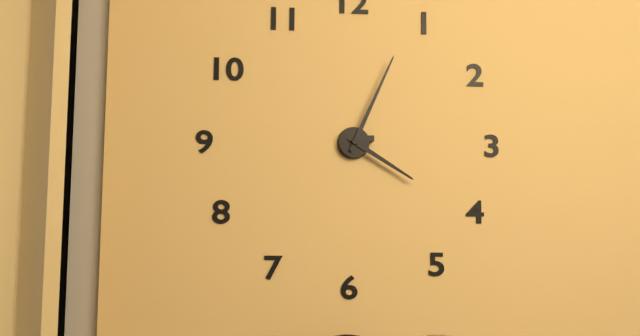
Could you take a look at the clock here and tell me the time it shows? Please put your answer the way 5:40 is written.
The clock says 4:04
